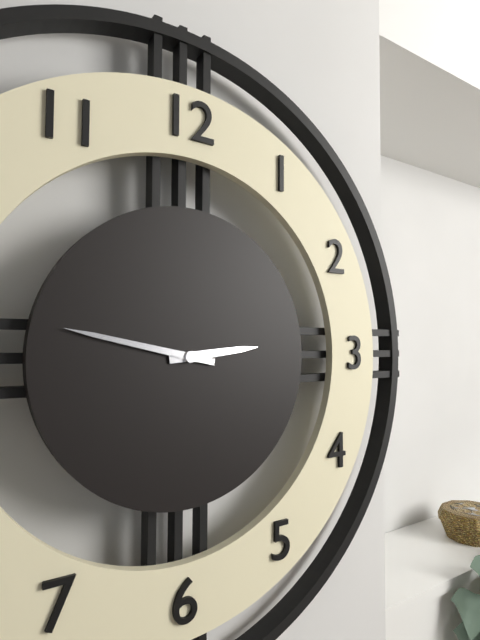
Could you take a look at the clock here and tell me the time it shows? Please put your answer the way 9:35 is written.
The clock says 2:47
